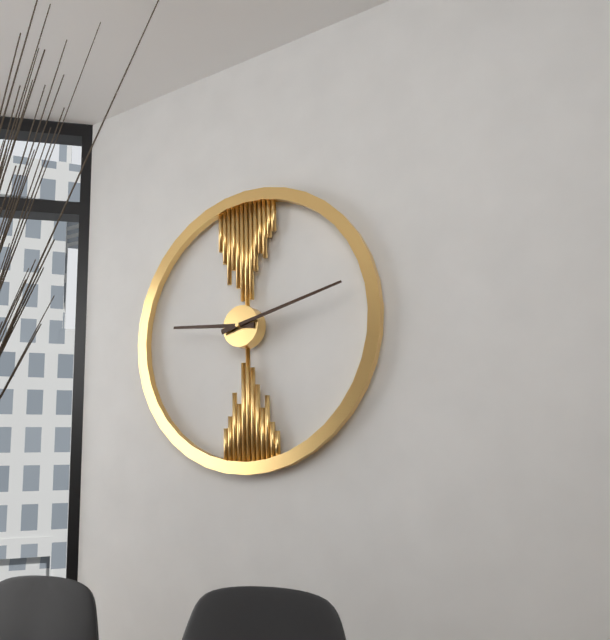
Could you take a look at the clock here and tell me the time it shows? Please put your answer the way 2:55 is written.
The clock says 9:13
